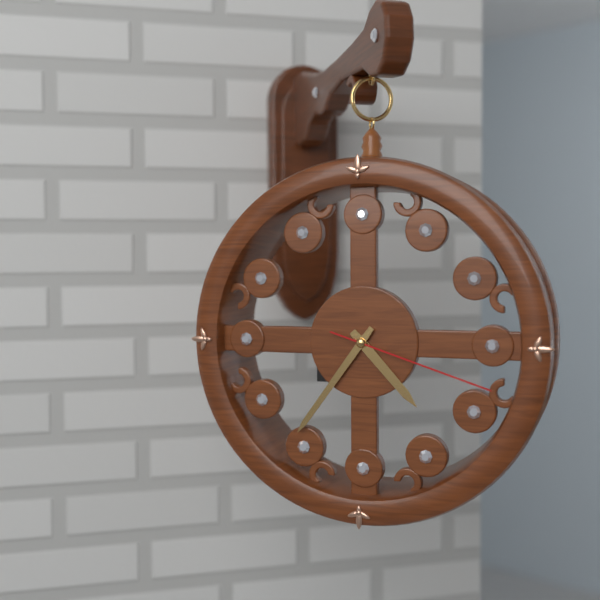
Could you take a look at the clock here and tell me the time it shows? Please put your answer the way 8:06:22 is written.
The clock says 4:36:18
